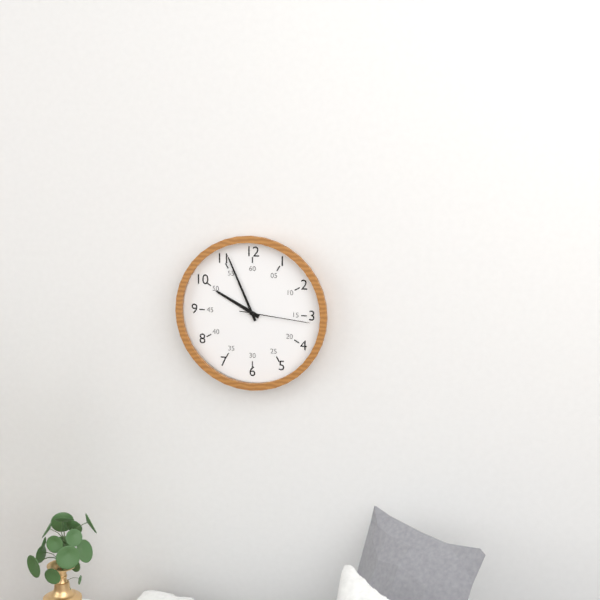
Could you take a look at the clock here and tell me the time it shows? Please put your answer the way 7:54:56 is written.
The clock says 9:56:16
